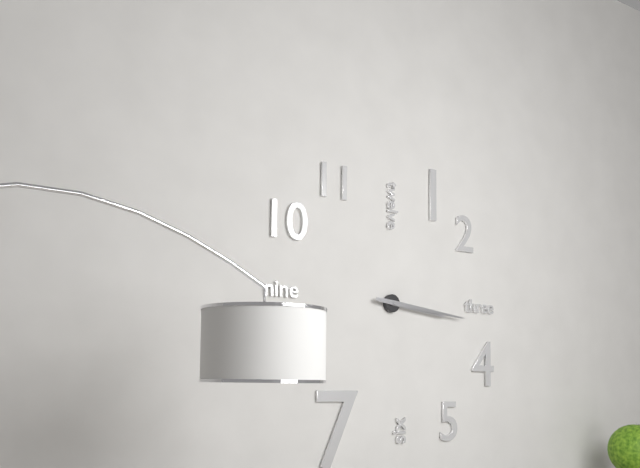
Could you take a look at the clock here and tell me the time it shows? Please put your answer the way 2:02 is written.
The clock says 3:16
